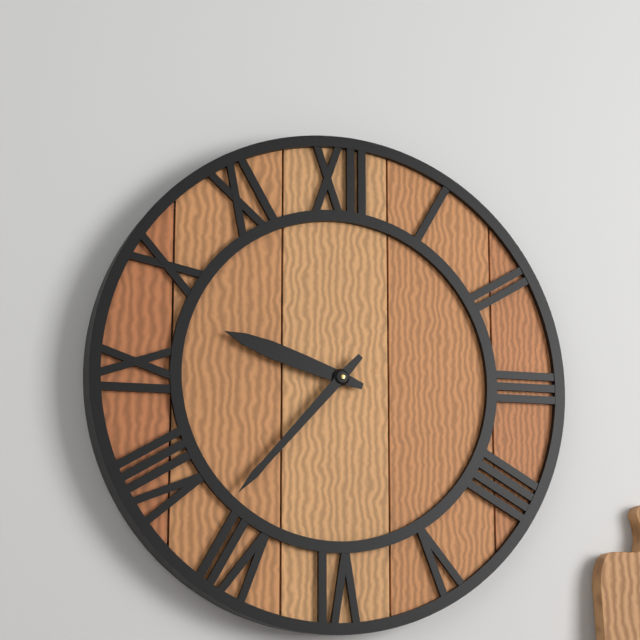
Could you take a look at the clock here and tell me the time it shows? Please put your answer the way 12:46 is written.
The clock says 9:37
